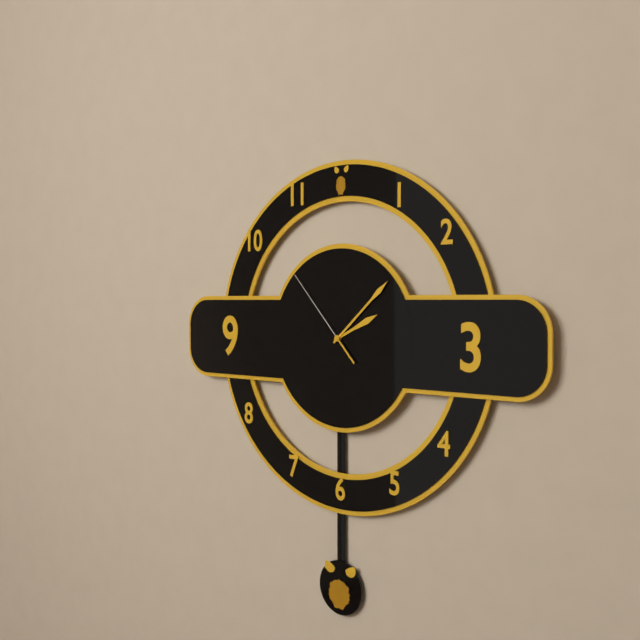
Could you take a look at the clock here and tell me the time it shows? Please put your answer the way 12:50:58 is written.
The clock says 2:08:53
